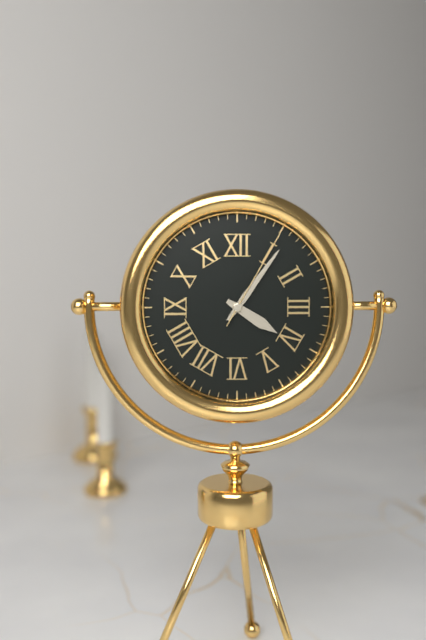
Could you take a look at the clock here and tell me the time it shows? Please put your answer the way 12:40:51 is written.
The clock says 4:06:05
